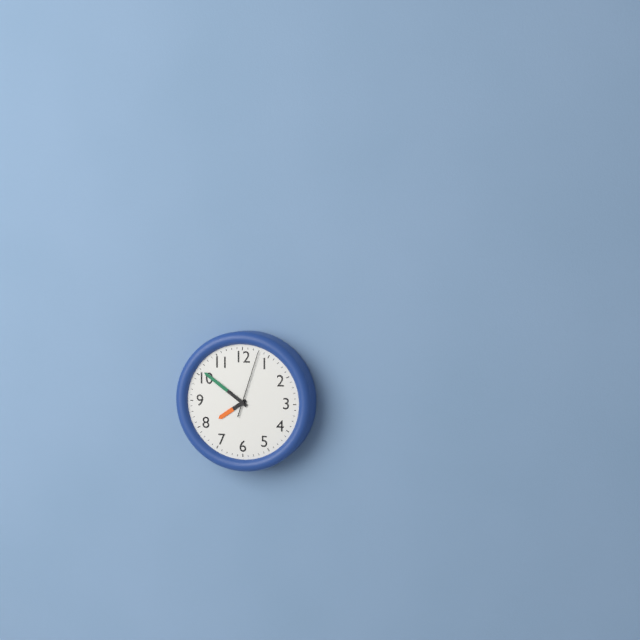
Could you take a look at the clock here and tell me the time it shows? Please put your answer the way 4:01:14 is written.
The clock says 7:51:03
